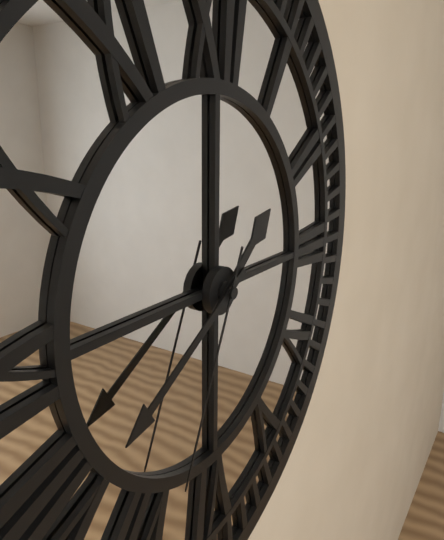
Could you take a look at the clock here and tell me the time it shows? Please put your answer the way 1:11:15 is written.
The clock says 1:40:34
